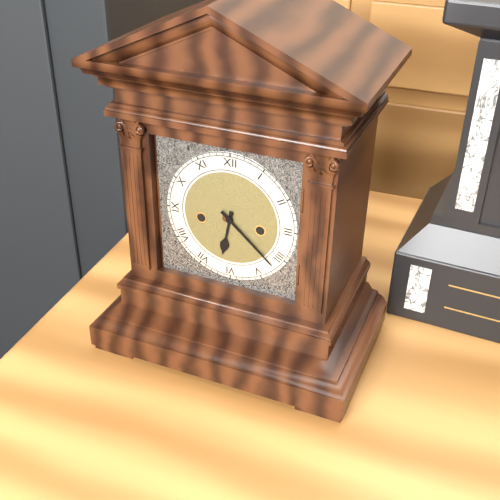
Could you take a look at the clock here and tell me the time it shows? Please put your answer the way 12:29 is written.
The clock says 6:22
